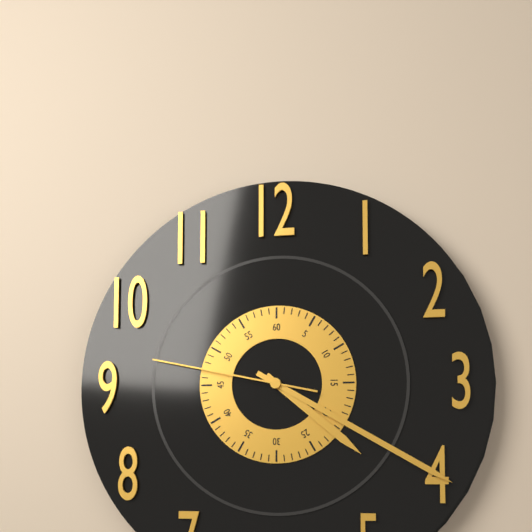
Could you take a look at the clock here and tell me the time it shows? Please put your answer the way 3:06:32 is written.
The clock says 4:20:47
